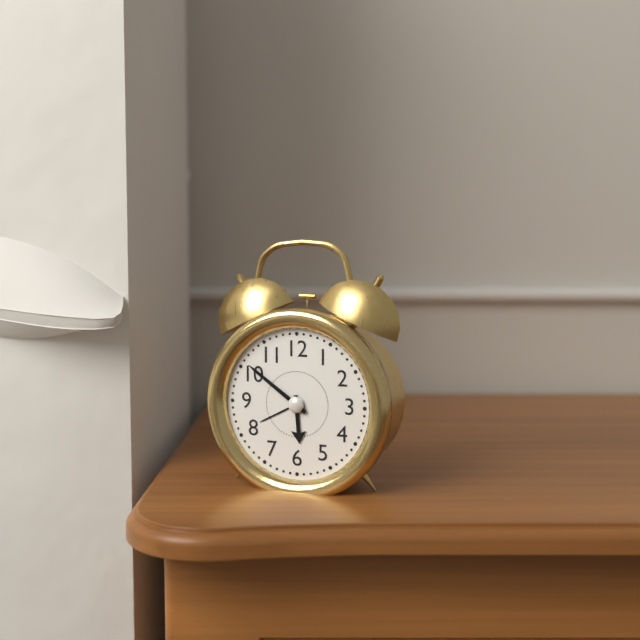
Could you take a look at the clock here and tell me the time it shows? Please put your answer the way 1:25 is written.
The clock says 5:51
